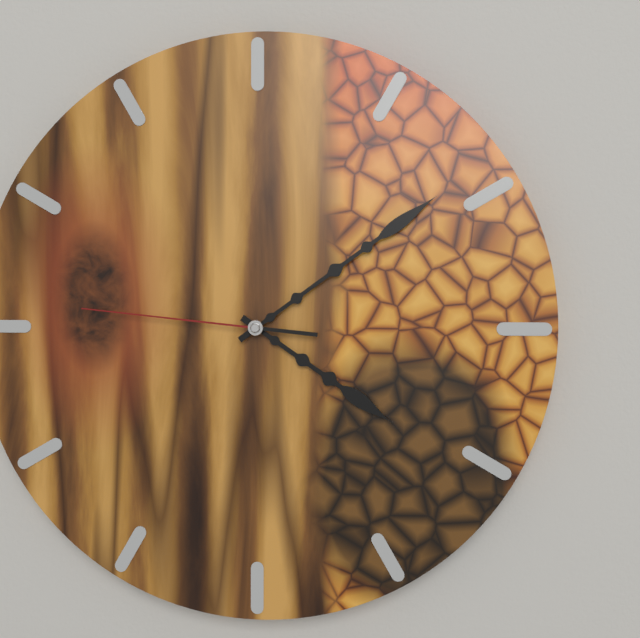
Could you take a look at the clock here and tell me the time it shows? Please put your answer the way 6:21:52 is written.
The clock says 4:09:46
